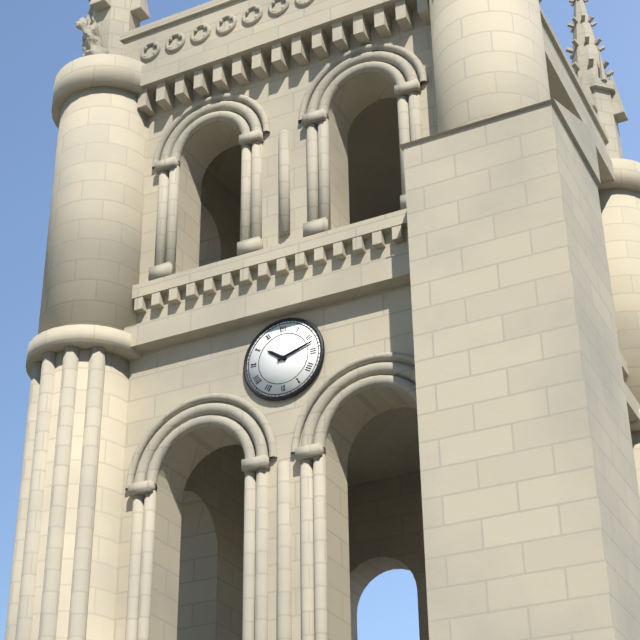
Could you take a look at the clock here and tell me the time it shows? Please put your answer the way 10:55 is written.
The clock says 10:12
